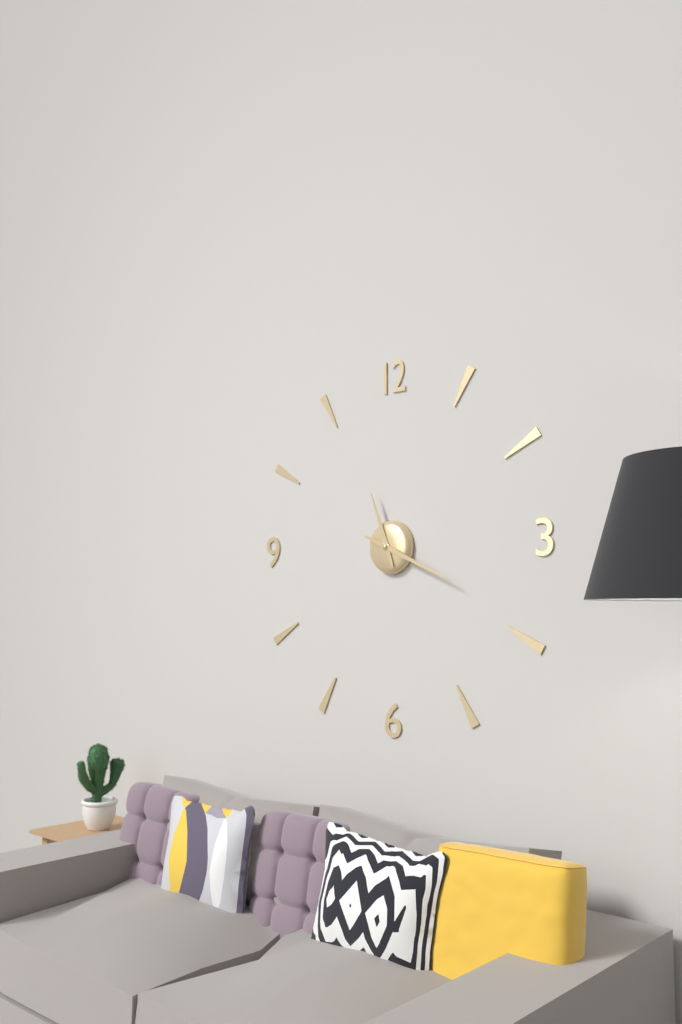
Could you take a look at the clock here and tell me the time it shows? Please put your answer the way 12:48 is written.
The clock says 11:19
